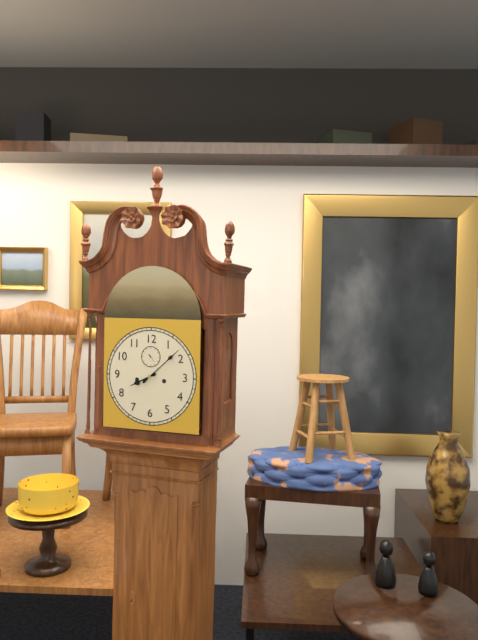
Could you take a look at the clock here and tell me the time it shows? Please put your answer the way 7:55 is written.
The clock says 8:08
